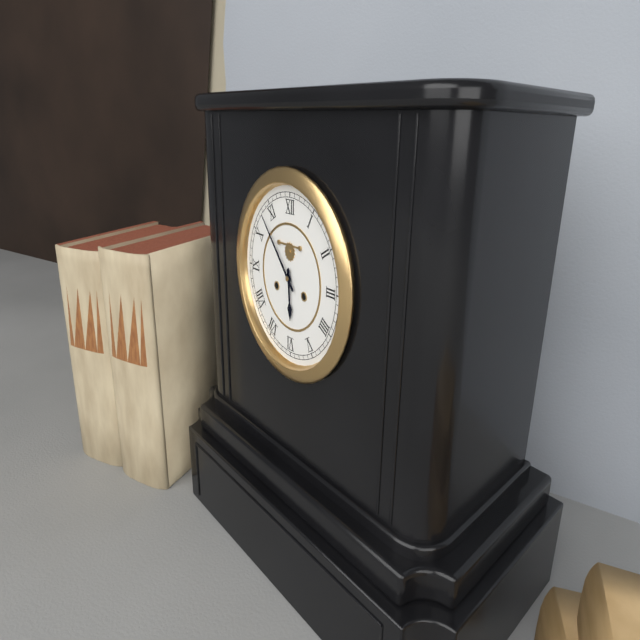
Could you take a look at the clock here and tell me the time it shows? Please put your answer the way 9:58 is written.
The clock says 5:53
